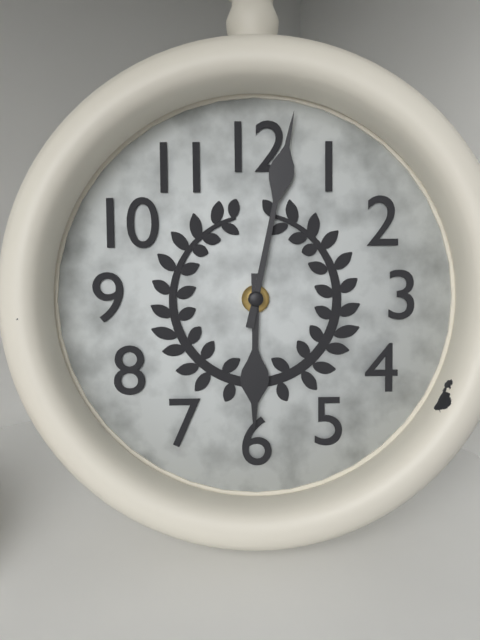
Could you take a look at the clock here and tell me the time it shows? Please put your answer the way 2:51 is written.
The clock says 6:02
